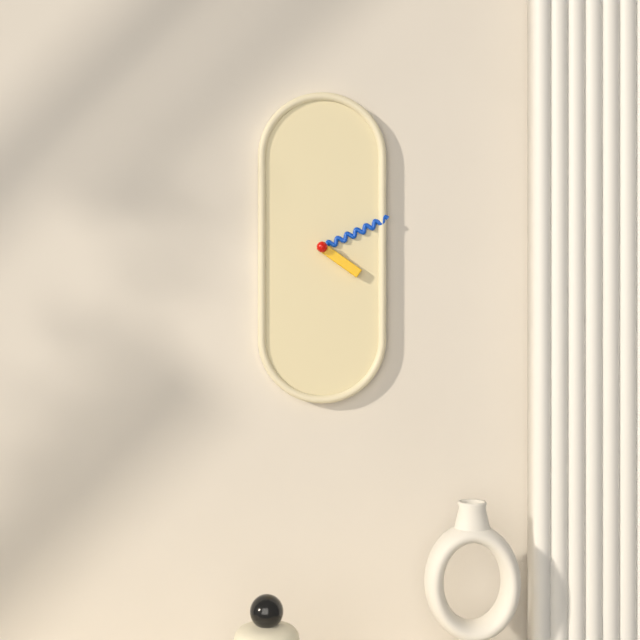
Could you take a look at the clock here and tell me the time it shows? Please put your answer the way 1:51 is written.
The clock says 4:11
